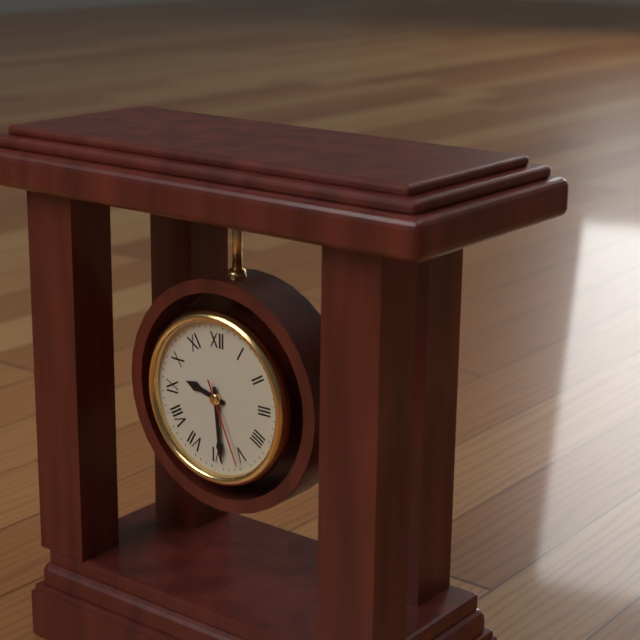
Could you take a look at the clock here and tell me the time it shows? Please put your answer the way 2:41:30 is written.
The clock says 9:29:26
